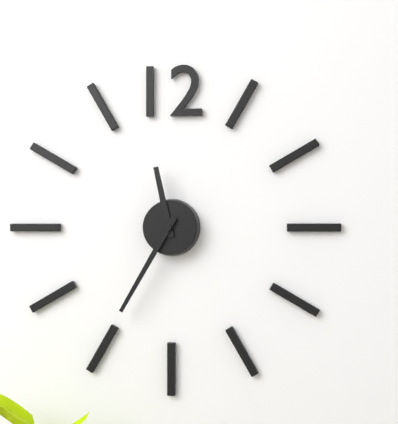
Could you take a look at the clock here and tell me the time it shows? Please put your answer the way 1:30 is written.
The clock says 11:35
